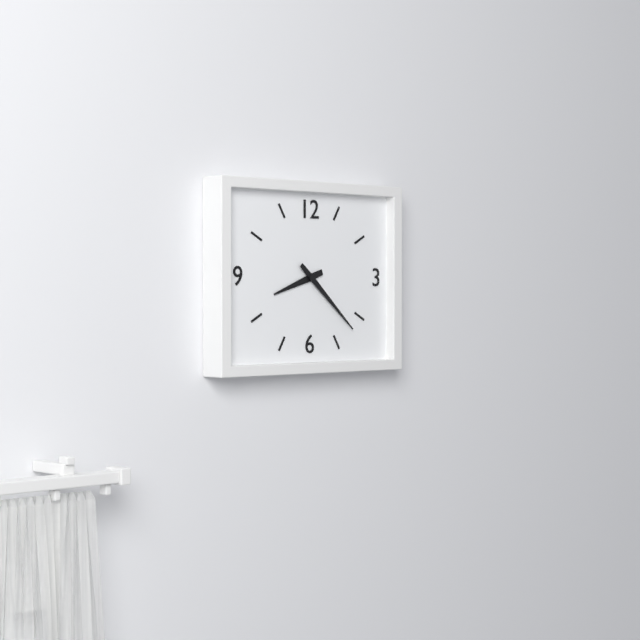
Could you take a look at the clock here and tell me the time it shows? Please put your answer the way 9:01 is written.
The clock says 8:22
